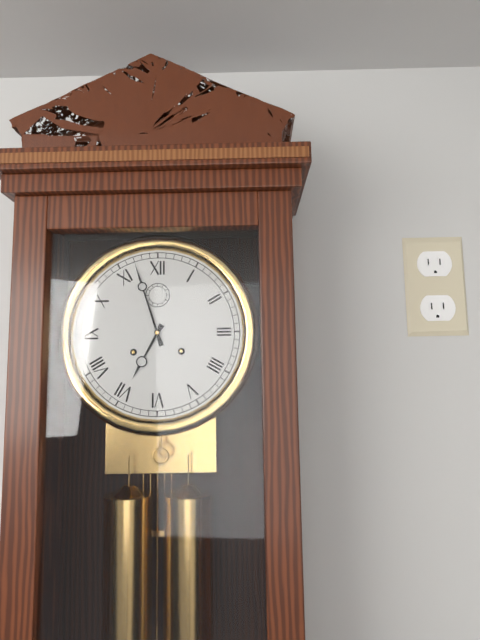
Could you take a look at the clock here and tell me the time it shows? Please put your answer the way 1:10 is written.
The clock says 6:57
